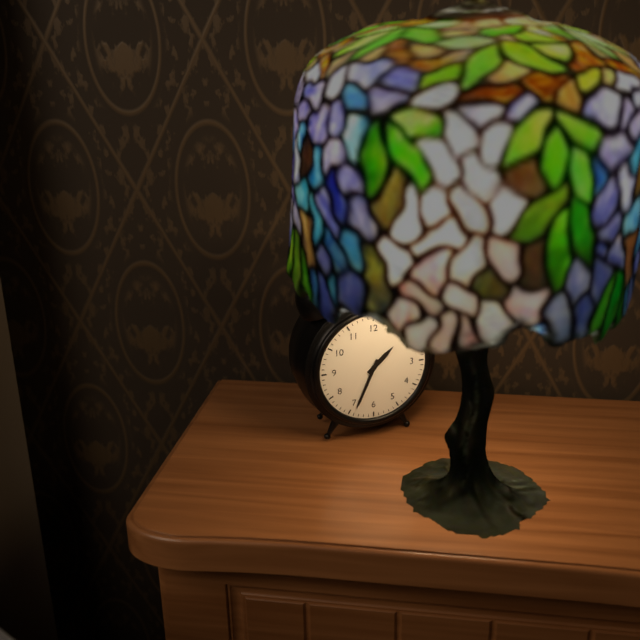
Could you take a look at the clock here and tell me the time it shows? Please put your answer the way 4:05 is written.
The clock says 1:34
